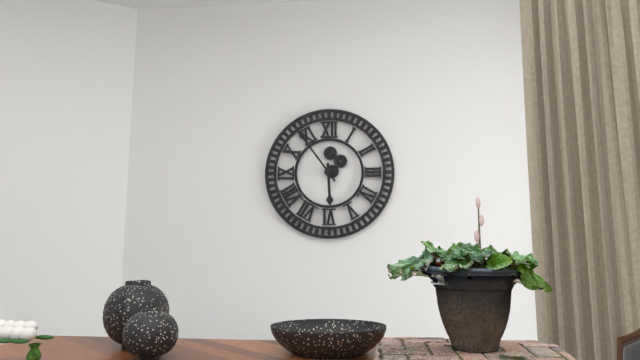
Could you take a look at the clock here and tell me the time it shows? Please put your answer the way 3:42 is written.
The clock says 5:54
